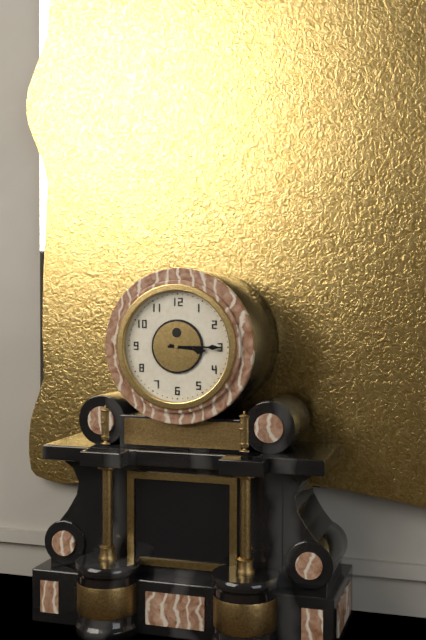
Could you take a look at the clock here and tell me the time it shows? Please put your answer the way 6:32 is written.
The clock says 3:15
